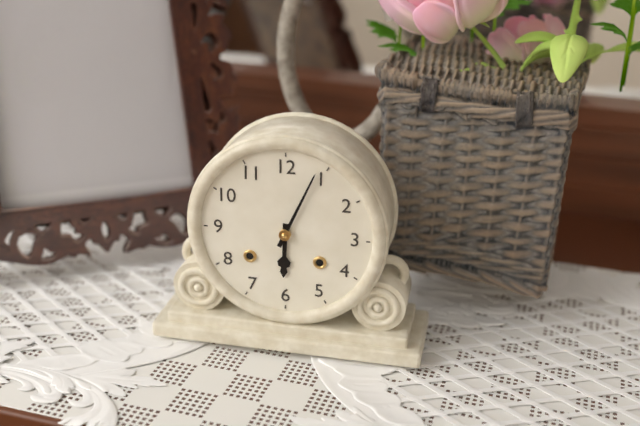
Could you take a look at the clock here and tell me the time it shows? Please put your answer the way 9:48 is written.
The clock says 6:04
